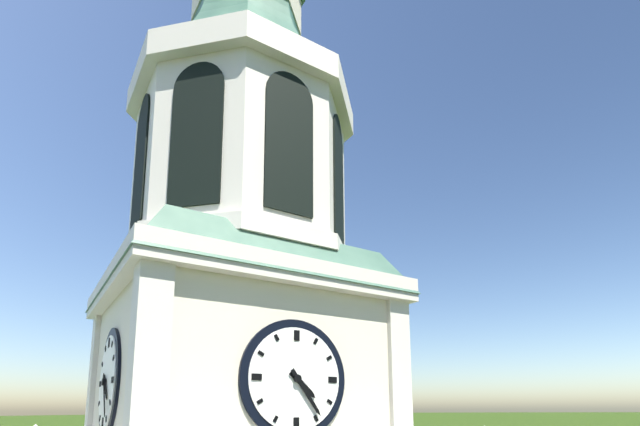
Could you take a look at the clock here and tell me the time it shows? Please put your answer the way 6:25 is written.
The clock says 4:24
